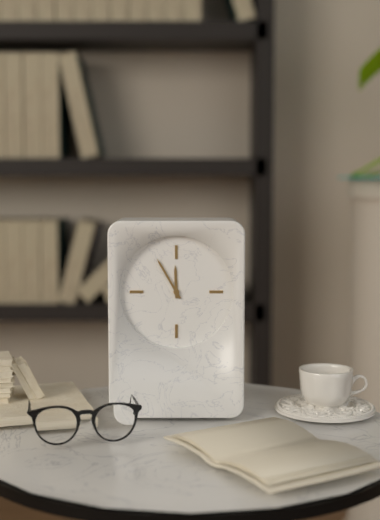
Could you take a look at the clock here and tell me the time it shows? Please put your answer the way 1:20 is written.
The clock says 11:55
